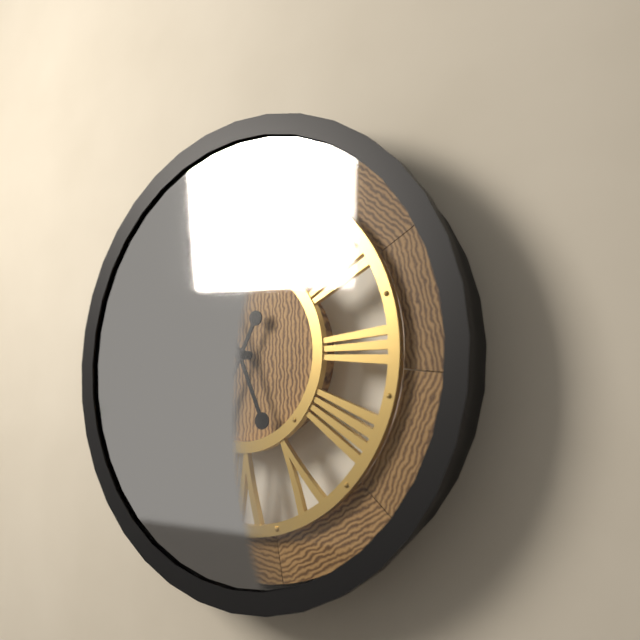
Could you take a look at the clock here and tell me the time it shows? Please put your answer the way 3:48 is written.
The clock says 6:56
